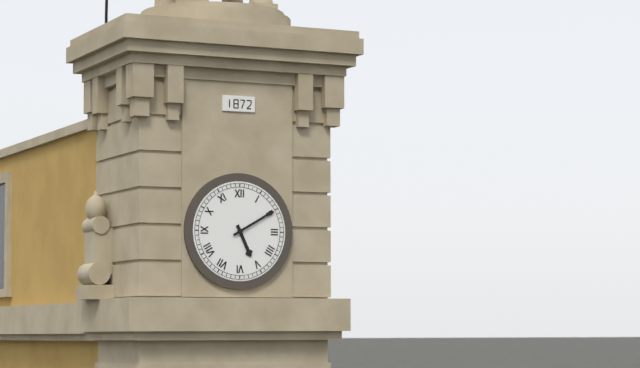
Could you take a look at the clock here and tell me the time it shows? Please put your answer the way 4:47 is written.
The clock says 5:10
